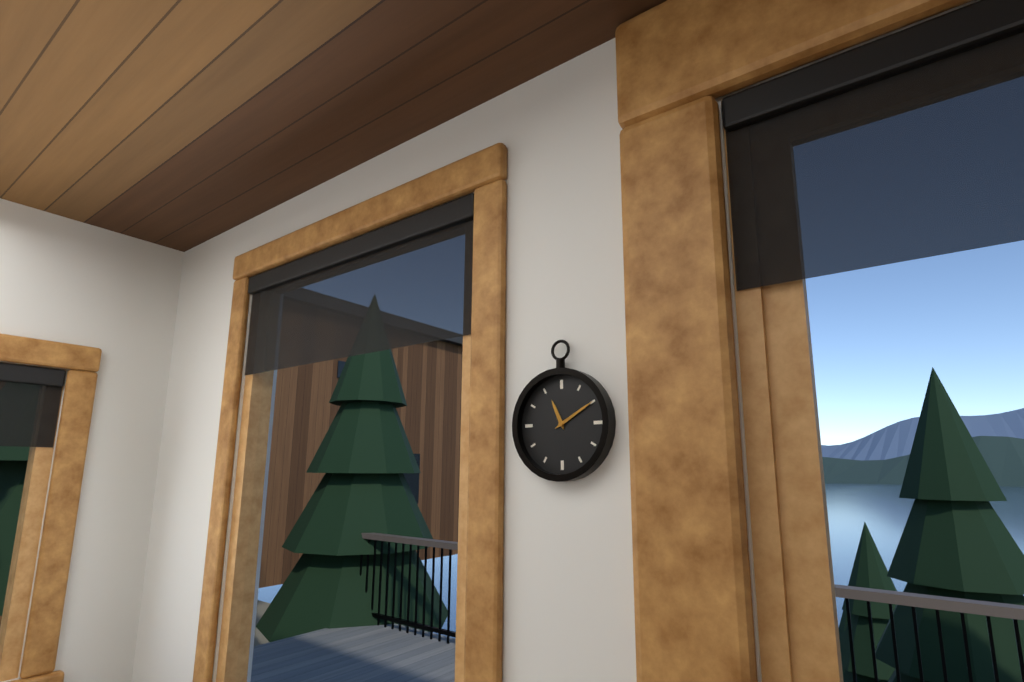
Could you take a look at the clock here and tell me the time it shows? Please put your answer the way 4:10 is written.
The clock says 11:10
